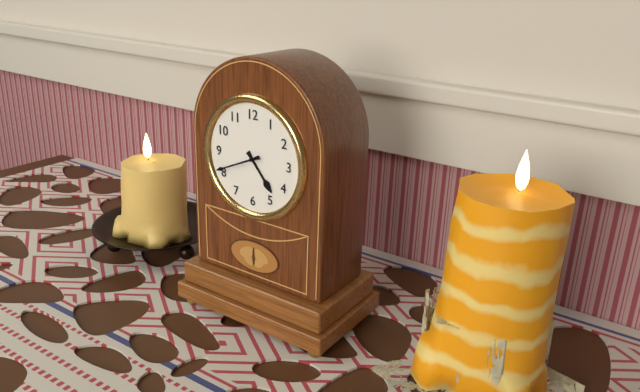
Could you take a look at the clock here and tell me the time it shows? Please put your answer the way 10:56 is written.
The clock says 4:41
